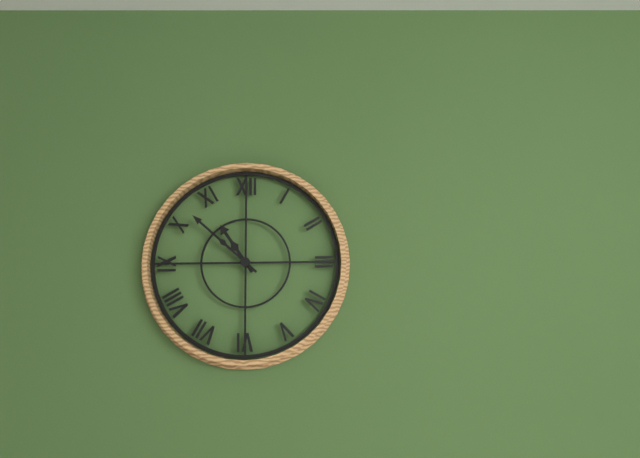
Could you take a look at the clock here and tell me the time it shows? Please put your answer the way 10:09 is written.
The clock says 10:52
